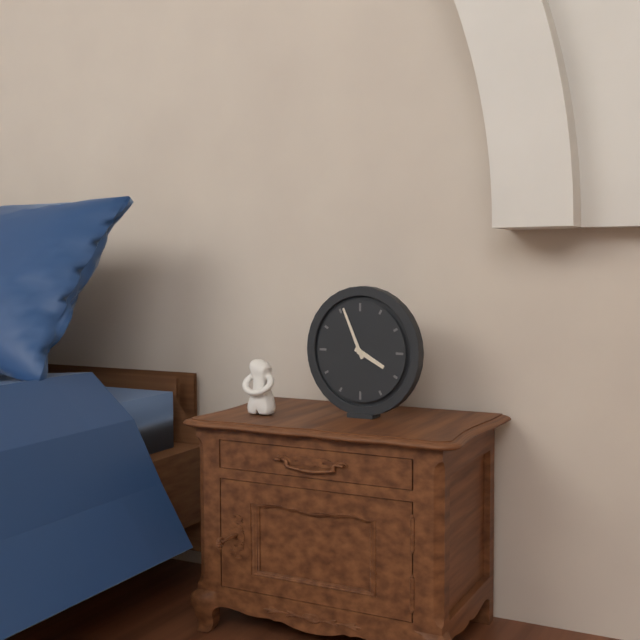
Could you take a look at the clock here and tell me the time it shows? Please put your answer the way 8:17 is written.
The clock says 3:56
